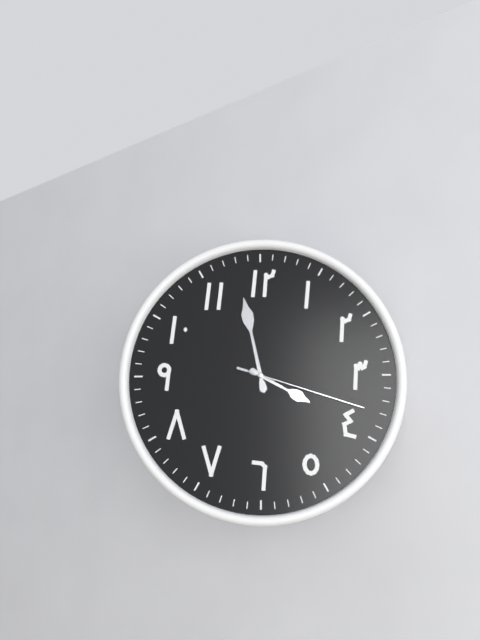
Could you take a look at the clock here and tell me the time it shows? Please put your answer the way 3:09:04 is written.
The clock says 3:58:18
